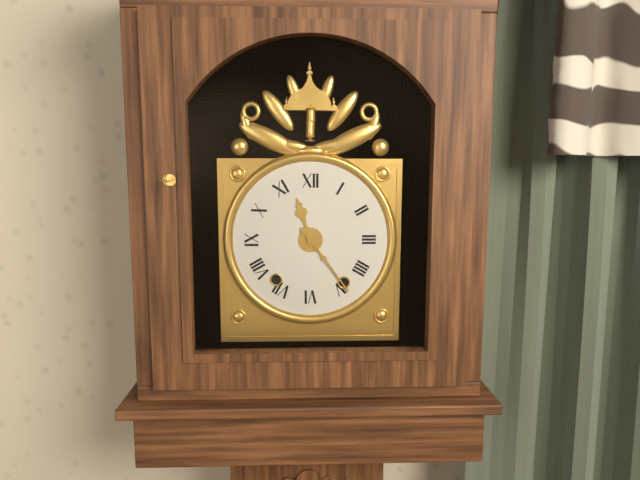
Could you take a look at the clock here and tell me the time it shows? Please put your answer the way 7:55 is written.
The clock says 11:24
